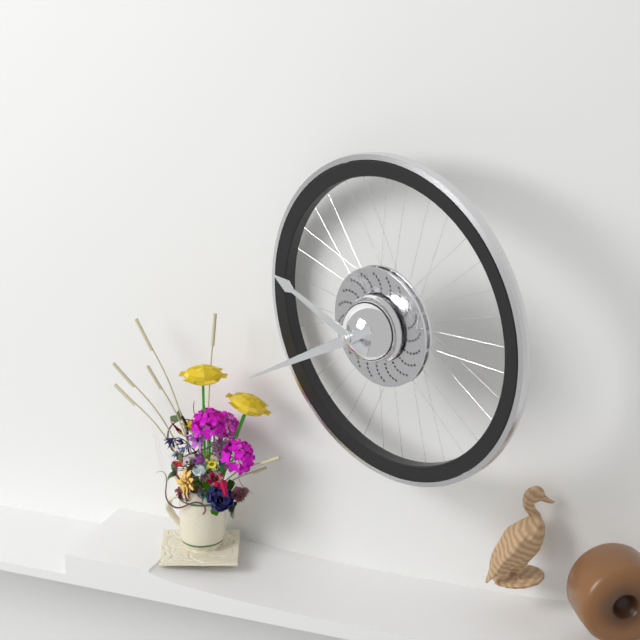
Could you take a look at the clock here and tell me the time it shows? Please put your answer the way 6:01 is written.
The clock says 9:40
